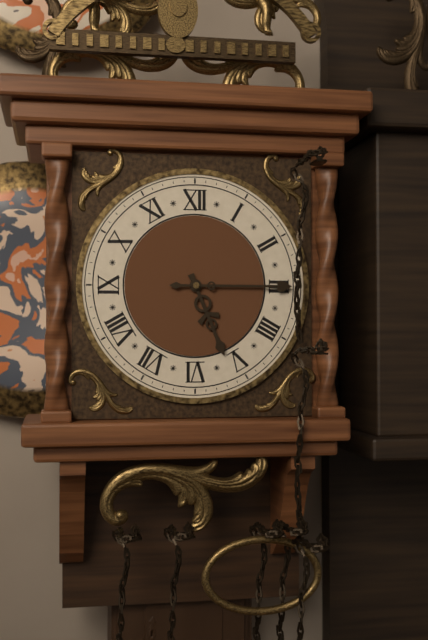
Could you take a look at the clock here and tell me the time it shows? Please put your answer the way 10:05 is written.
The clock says 5:15
